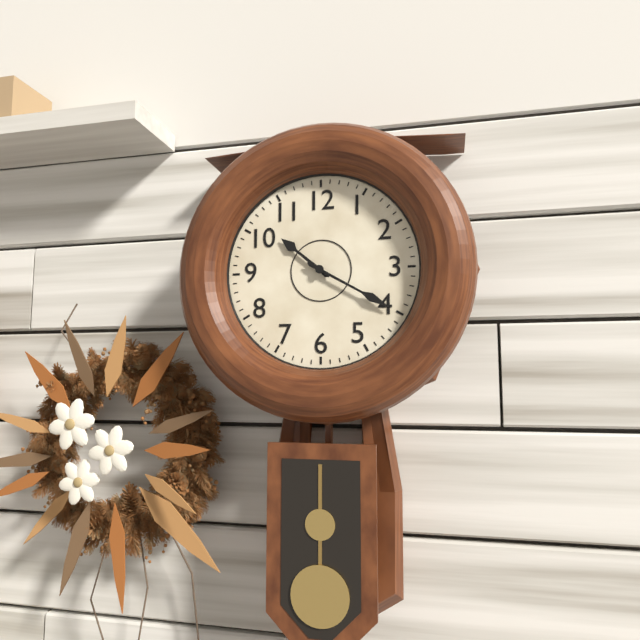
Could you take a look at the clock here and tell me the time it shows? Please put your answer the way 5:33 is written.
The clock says 10:20
